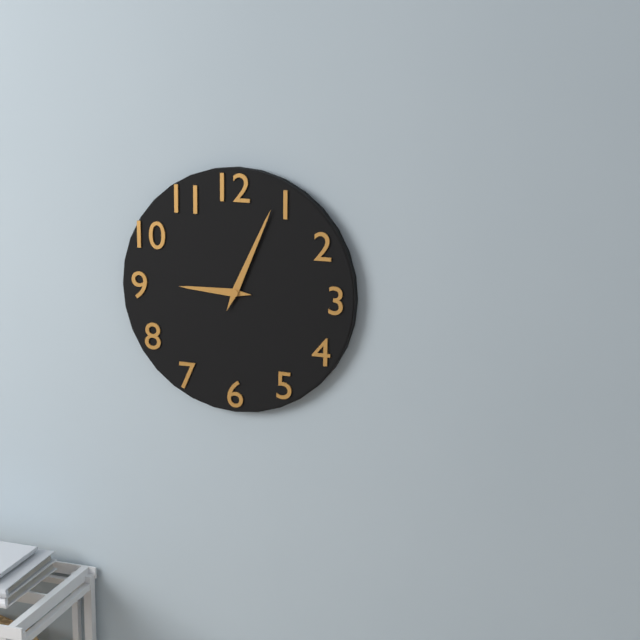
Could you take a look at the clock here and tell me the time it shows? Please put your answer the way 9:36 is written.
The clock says 9:04
